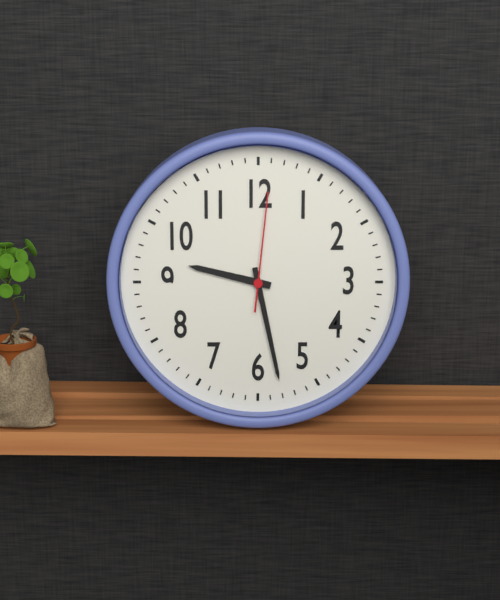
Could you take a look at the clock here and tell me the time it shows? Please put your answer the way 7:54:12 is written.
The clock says 9:28:01
